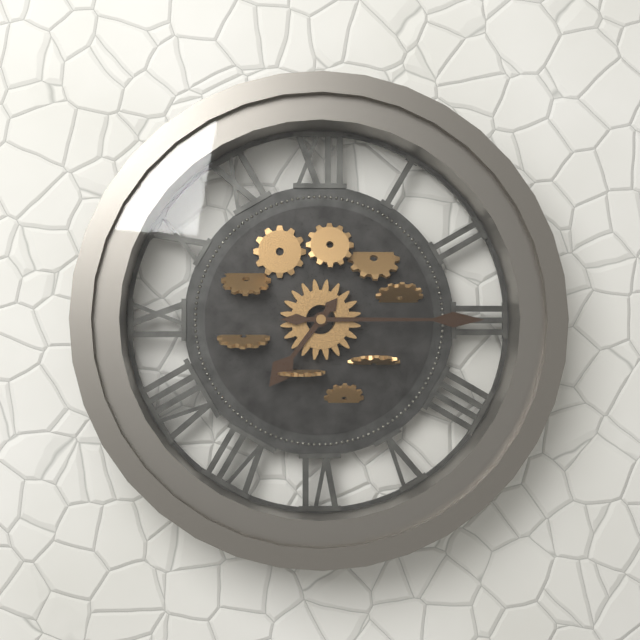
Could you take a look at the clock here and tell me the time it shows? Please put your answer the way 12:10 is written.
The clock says 7:15
